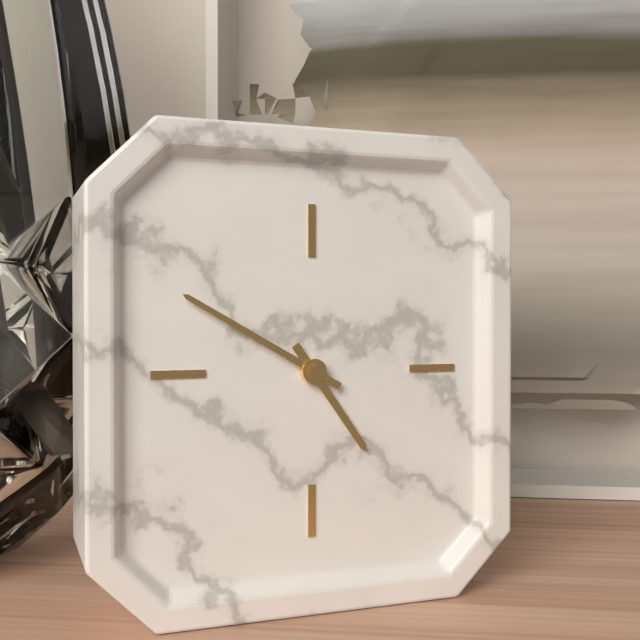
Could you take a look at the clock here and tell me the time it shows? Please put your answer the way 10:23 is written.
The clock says 4:50
